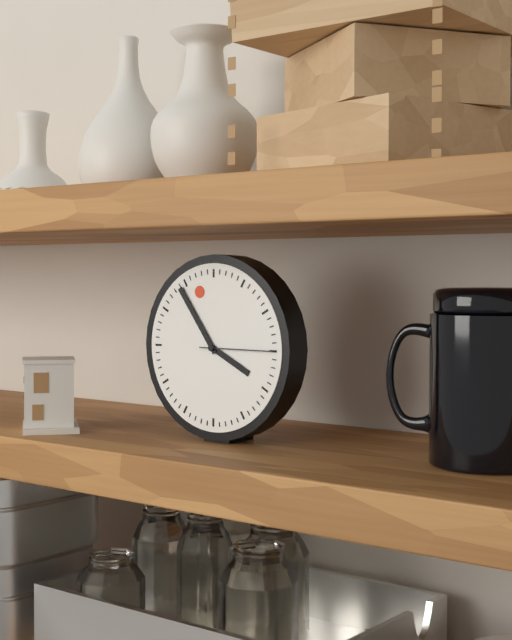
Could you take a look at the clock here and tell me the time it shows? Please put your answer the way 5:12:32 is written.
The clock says 3:54:15
